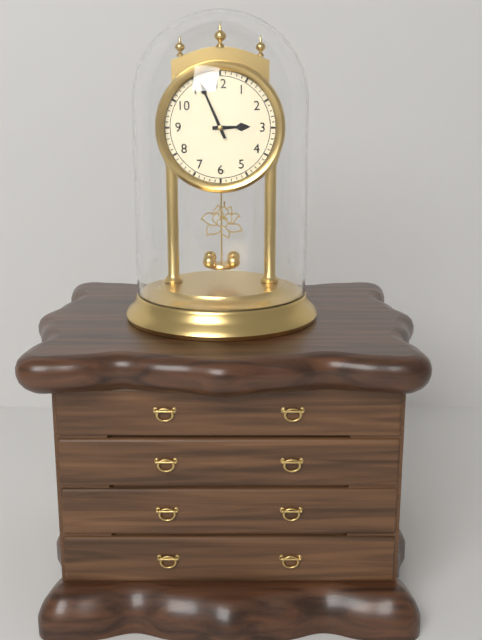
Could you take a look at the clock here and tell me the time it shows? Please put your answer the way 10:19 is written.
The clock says 2:56
